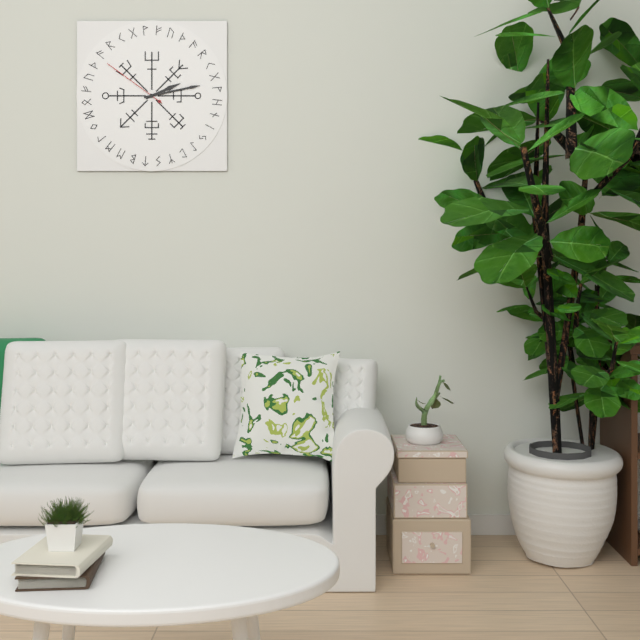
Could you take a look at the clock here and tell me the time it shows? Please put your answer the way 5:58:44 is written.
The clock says 2:13:51
